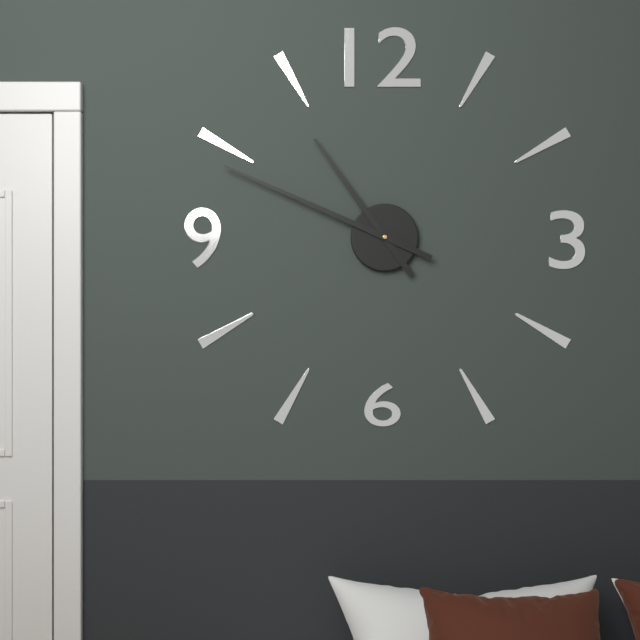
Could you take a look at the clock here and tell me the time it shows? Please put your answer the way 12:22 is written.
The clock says 10:49
